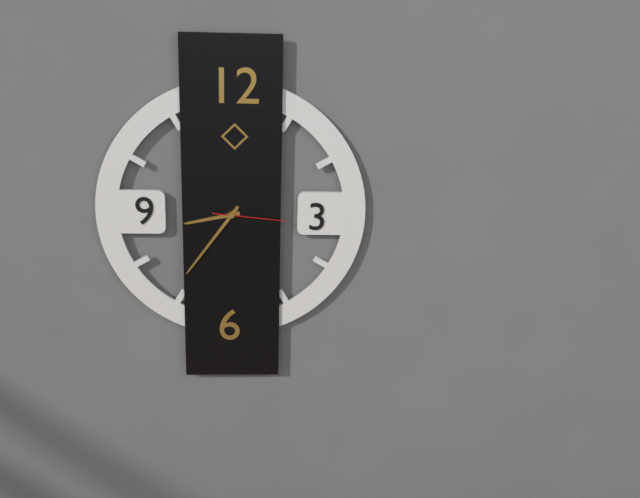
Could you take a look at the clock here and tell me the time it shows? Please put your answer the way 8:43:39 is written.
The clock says 8:36:16
